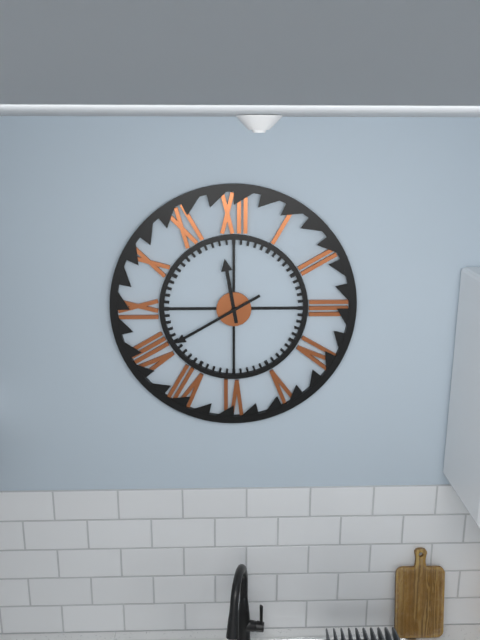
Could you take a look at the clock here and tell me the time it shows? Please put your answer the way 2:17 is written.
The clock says 11:40
